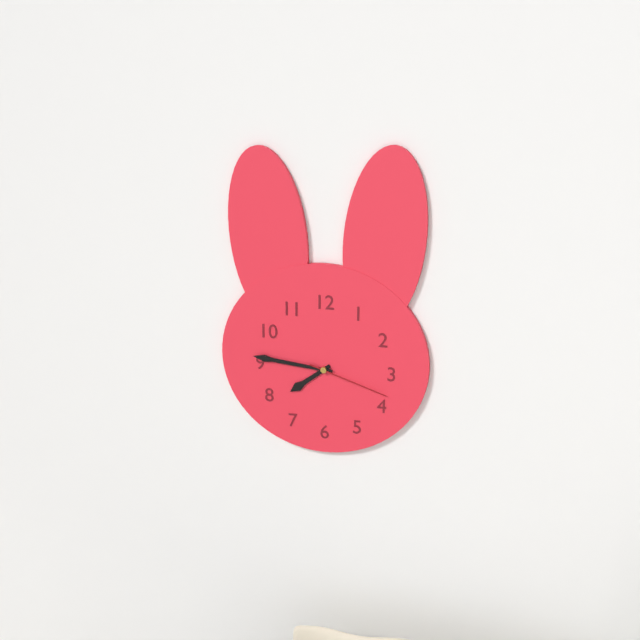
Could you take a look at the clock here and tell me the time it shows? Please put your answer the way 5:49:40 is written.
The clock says 7:46:18
